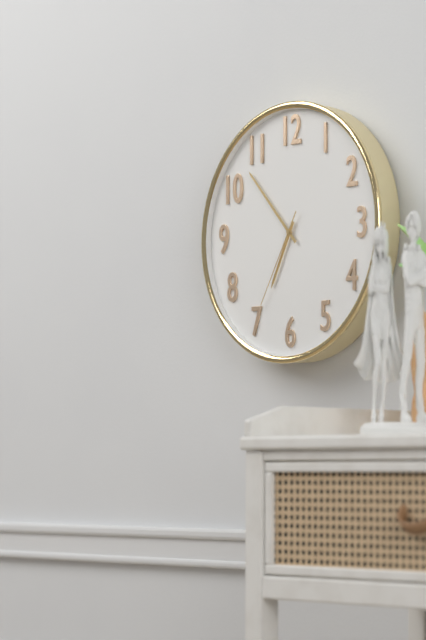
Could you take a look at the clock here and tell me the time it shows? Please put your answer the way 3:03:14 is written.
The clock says 6:53:35
